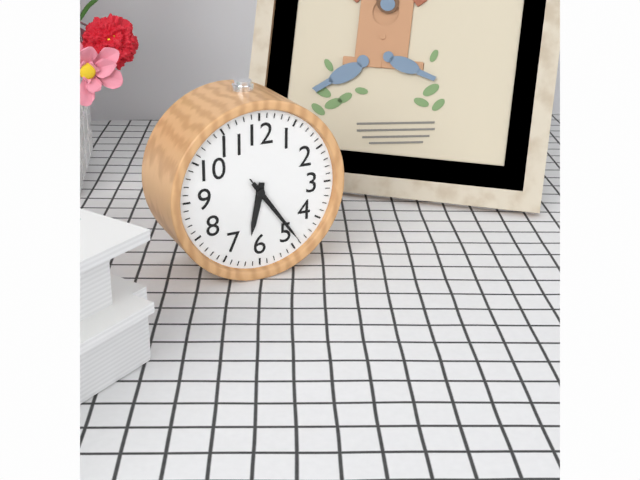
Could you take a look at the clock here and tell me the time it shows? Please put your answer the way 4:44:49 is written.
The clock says 6:24:24
